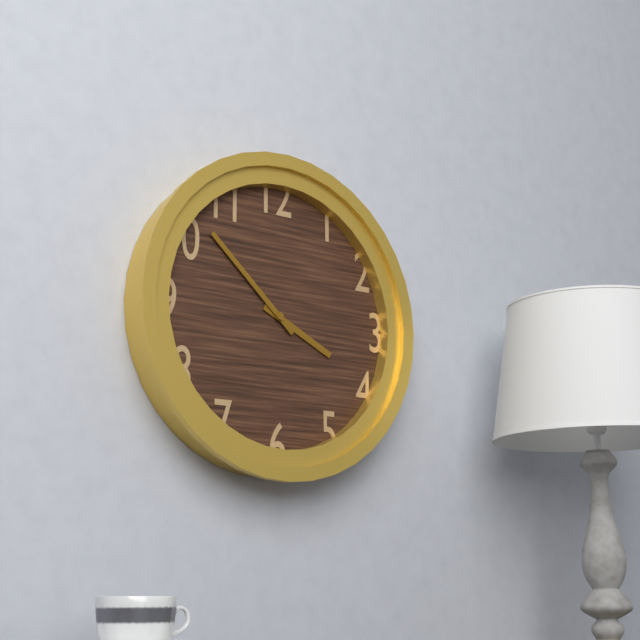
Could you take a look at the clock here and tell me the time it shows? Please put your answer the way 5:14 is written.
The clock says 3:52
